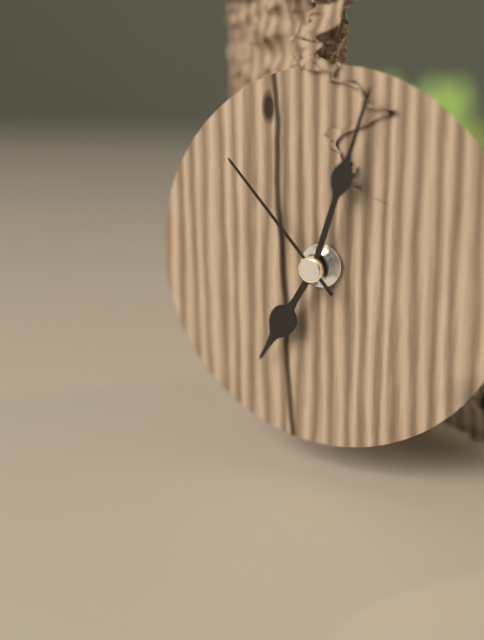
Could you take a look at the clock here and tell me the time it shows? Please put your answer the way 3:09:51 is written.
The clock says 7:03:53
